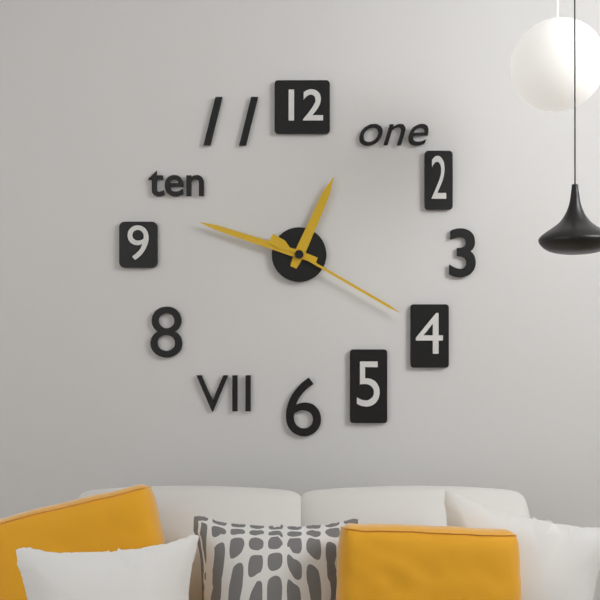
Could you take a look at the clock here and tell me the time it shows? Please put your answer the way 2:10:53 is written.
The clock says 12:48:20
